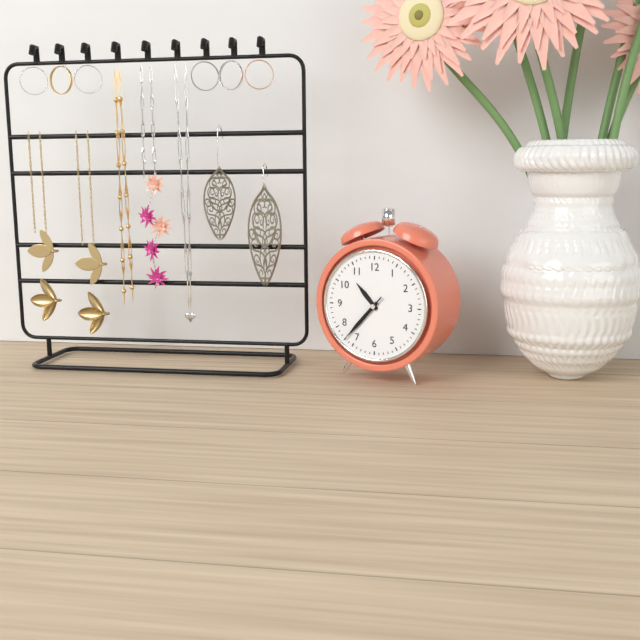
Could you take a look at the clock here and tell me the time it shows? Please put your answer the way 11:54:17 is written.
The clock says 10:37:37
